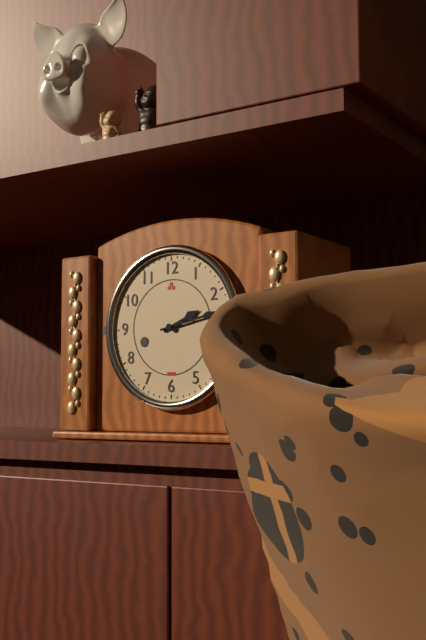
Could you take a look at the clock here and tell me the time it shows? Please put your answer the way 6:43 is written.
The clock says 2:13
